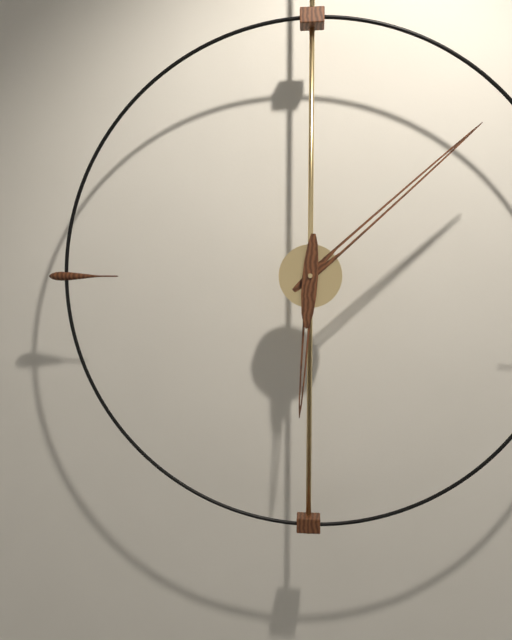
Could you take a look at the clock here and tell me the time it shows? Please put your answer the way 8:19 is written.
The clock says 6:08
